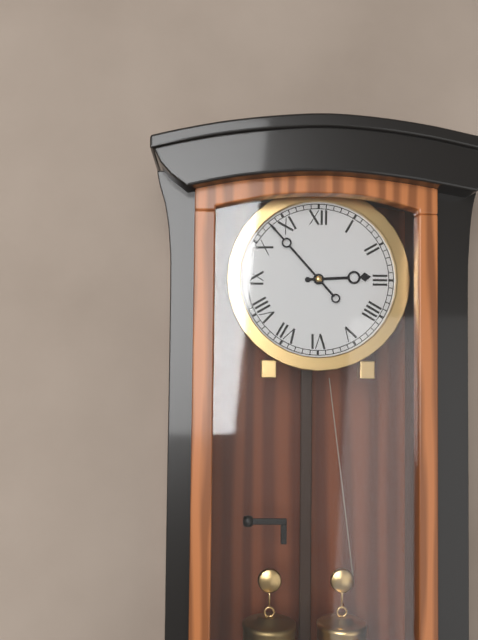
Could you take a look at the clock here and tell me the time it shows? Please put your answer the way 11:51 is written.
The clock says 2:53
